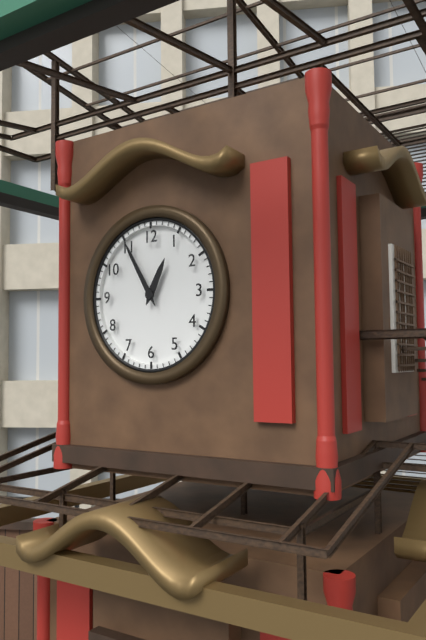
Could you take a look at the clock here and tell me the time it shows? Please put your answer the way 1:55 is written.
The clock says 12:55
